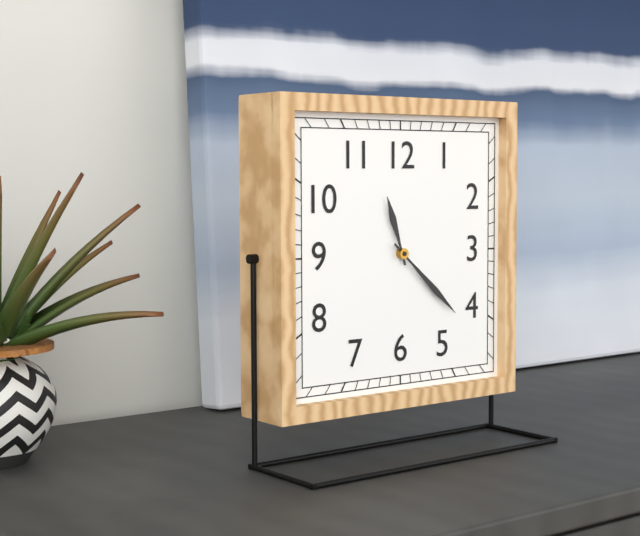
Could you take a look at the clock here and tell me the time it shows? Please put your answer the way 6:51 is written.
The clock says 11:22
